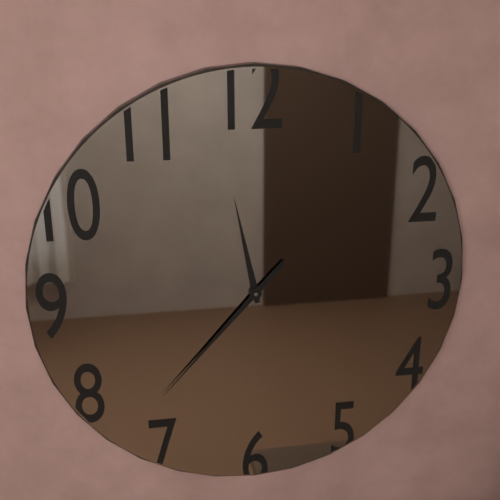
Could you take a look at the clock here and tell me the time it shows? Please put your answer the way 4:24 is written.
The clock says 11:37
